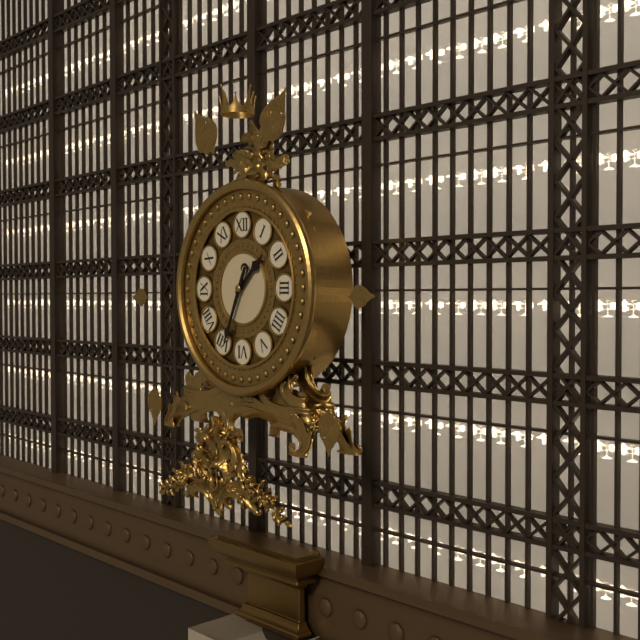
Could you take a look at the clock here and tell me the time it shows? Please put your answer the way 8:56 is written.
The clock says 1:34
